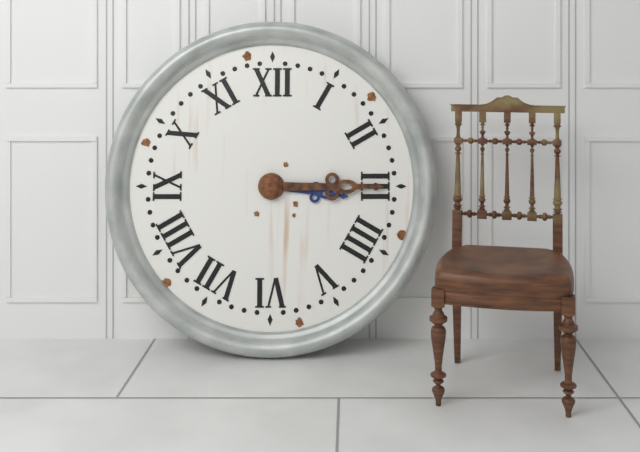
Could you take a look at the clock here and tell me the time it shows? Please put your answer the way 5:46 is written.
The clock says 3:15
